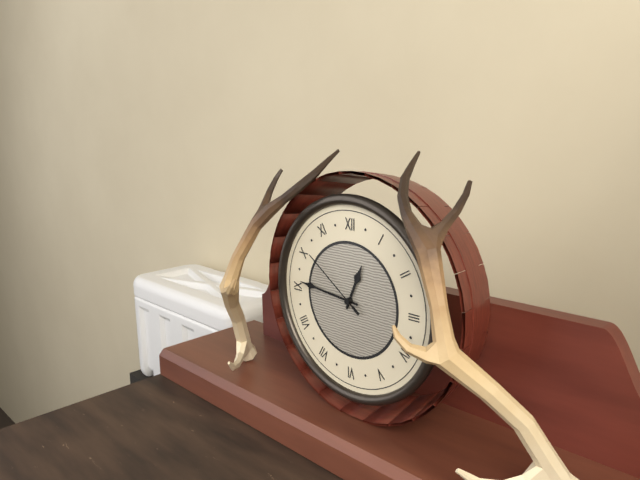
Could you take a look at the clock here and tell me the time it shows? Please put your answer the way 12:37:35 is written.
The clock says 12:46:51
